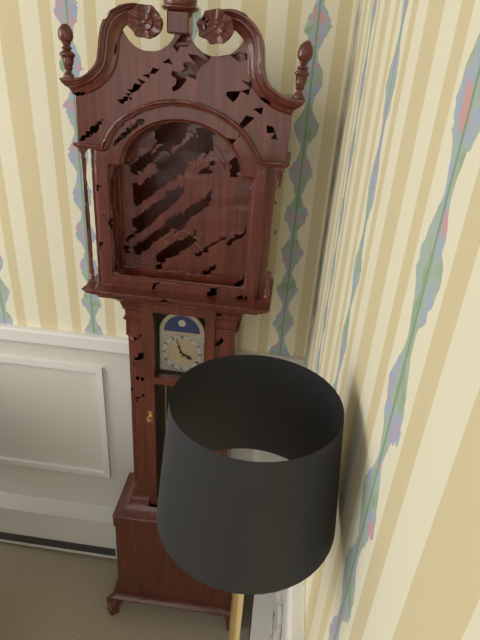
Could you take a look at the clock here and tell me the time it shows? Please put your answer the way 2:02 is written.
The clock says 3:57
